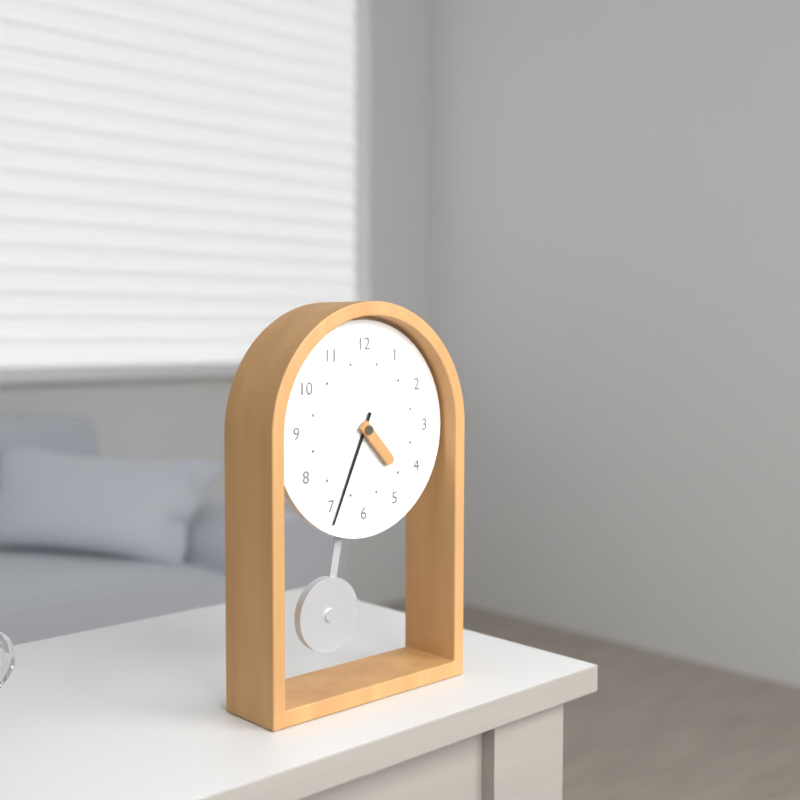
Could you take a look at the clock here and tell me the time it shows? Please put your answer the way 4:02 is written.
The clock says 4:34
